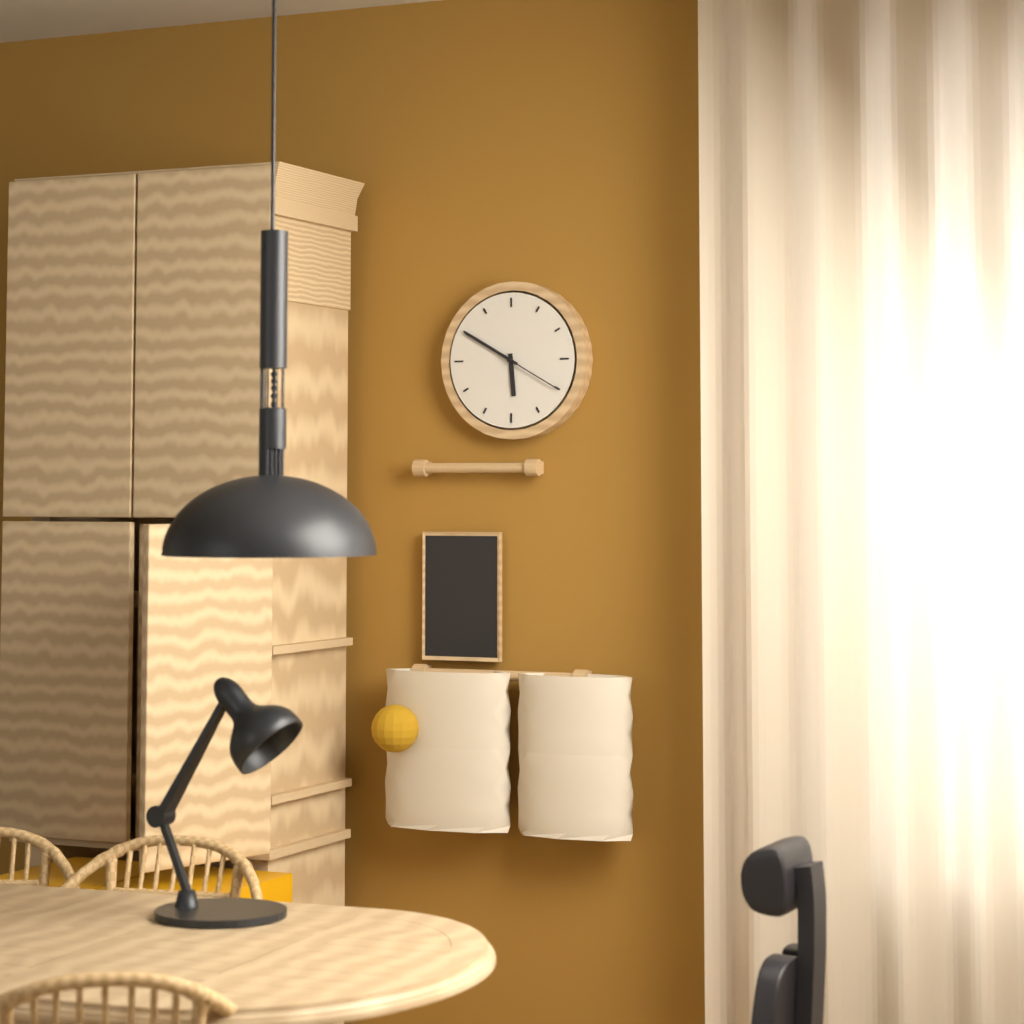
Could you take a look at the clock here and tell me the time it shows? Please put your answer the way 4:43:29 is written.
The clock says 5:50:20
